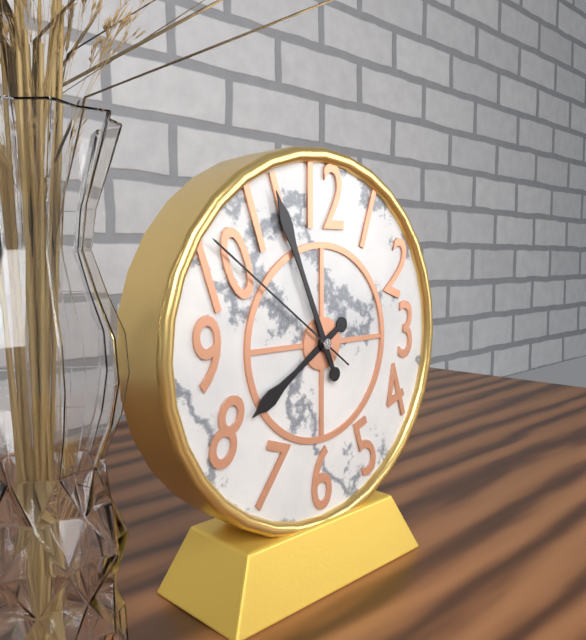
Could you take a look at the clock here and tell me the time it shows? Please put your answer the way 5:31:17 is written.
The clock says 7:56:51
